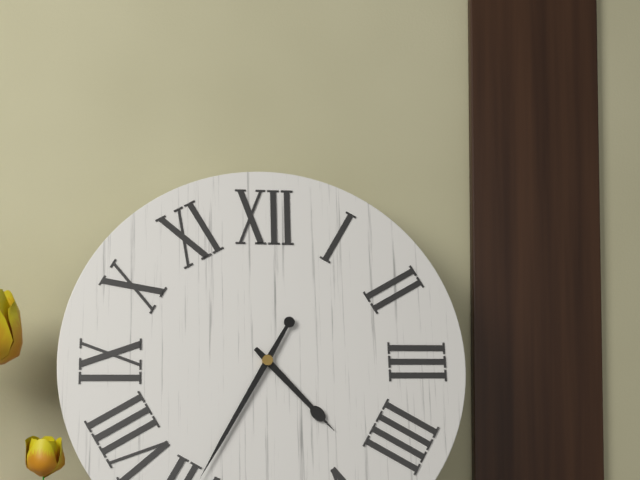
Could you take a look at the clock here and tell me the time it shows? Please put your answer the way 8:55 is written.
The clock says 4:35
